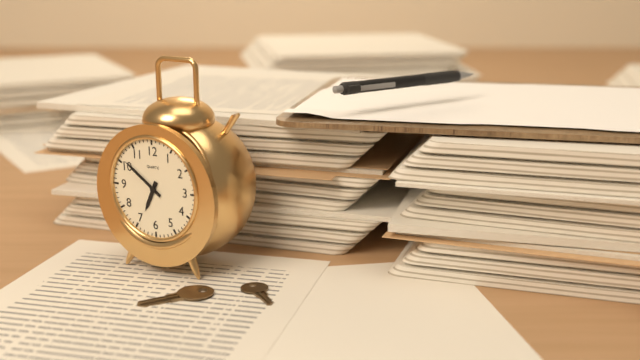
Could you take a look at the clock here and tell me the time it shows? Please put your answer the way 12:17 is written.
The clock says 6:51
